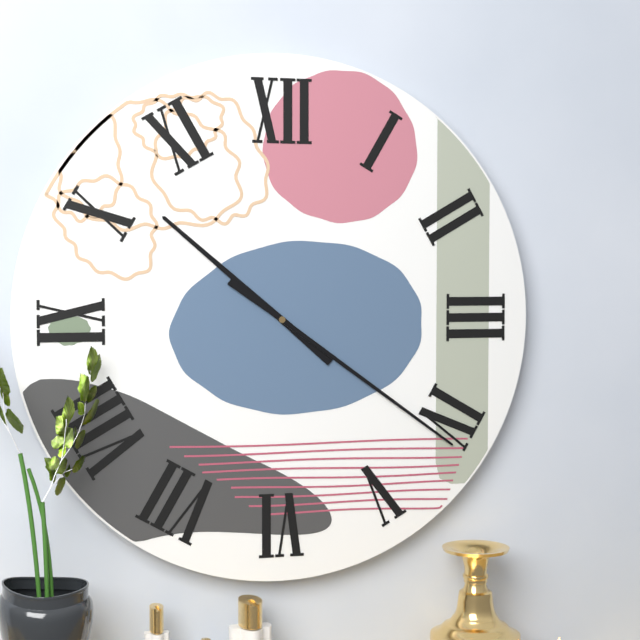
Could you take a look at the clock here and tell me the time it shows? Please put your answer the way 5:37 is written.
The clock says 10:21
